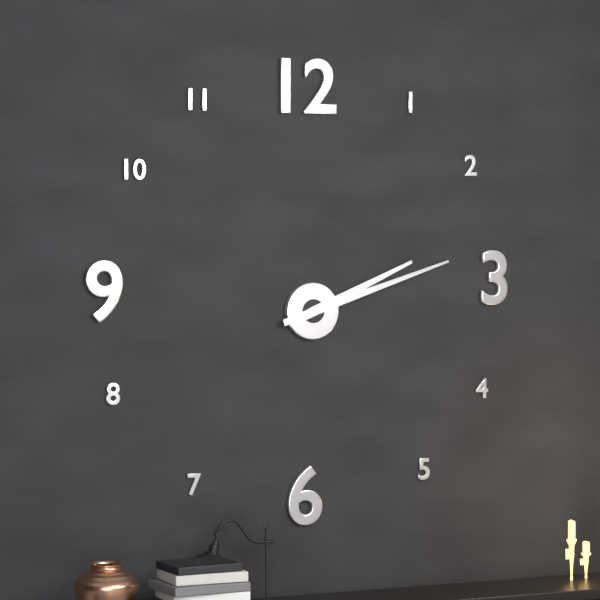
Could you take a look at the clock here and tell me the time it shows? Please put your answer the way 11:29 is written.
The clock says 2:12
